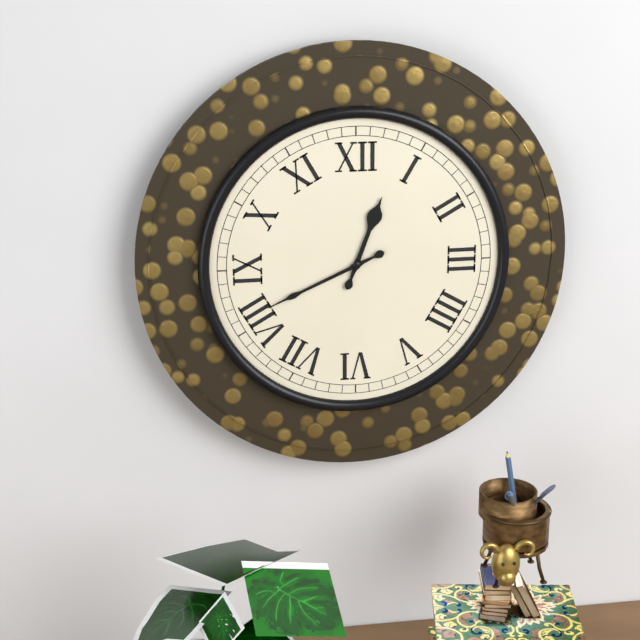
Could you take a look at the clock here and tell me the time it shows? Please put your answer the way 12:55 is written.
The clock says 12:41
